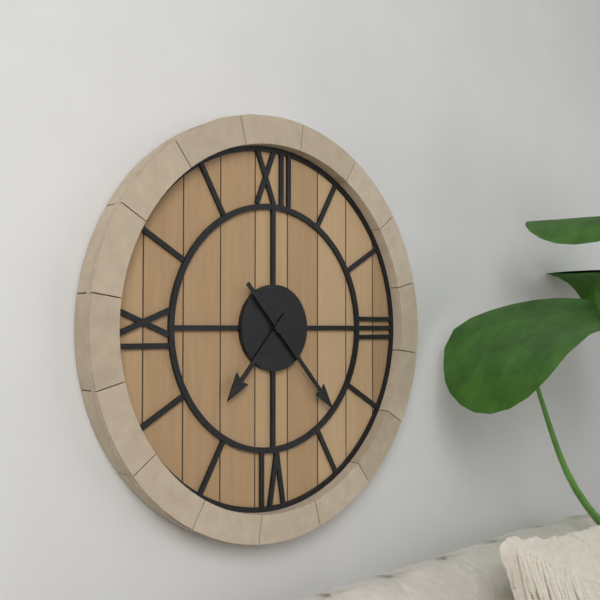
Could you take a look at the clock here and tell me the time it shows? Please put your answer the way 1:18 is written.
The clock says 7:23
